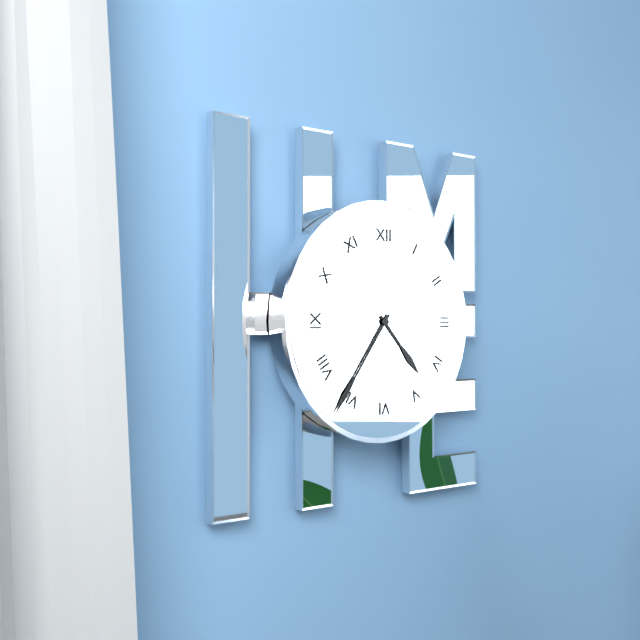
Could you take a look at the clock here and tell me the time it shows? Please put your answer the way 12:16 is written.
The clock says 4:36
